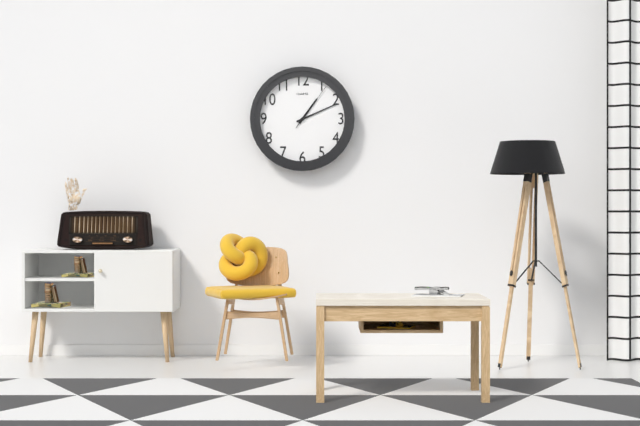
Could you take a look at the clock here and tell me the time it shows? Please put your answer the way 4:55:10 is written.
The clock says 1:11:06
